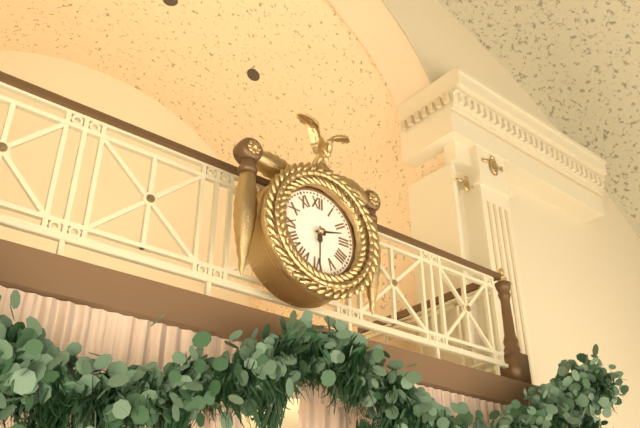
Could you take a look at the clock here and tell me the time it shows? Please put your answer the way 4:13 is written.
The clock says 2:30
